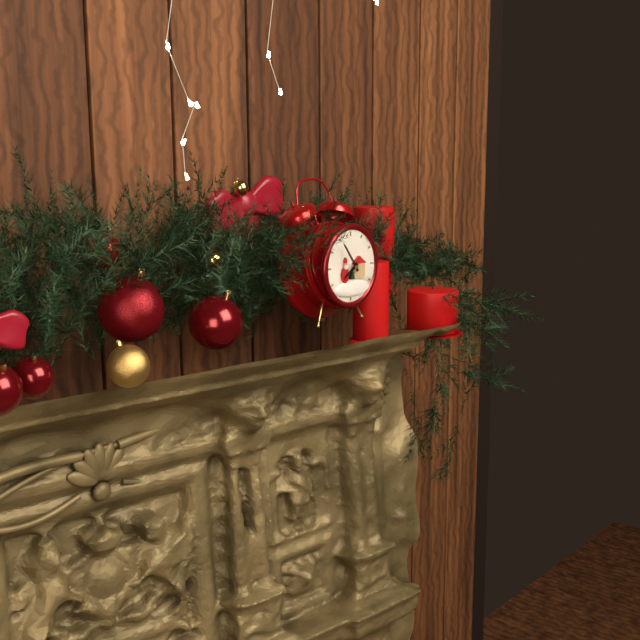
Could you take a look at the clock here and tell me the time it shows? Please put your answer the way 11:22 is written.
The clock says 7:54
